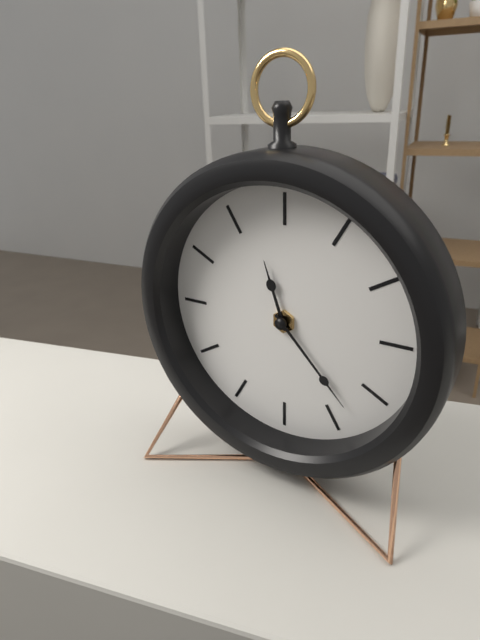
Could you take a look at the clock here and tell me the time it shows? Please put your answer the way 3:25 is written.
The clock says 11:23
